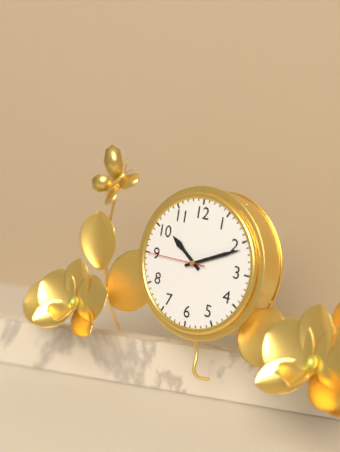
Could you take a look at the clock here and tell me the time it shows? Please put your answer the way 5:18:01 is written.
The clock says 10:11:45
